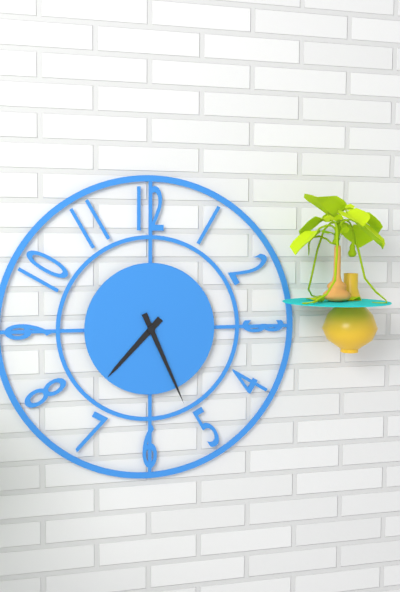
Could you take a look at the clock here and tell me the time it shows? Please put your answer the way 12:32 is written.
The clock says 7:26
